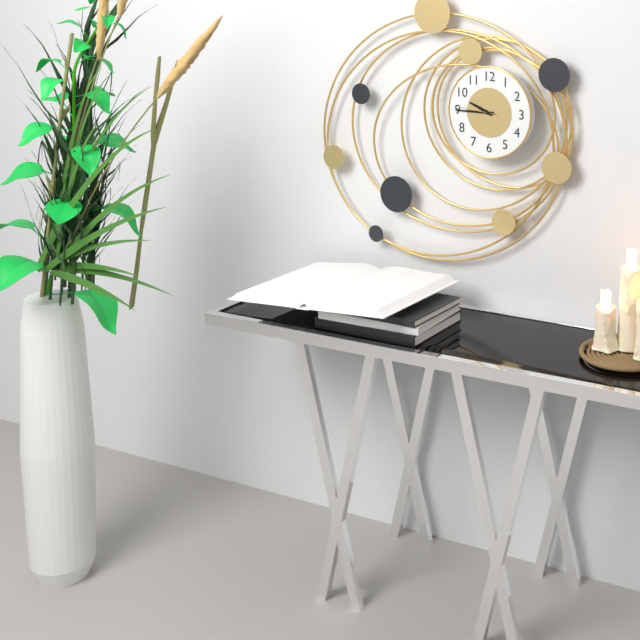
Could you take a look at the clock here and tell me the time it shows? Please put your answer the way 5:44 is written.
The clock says 9:45
